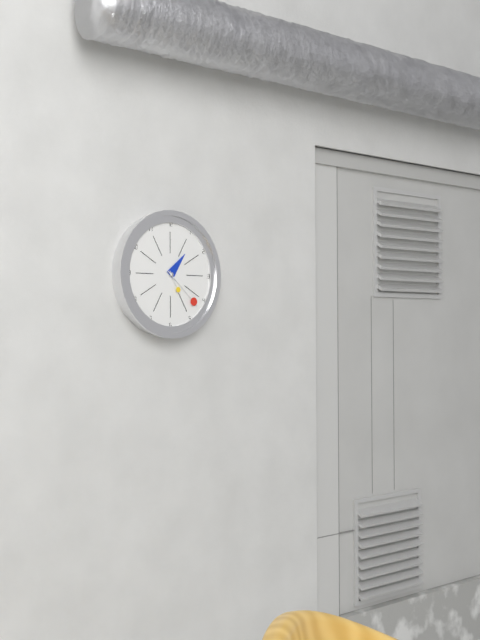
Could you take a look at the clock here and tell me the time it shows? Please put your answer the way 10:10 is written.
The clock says 1:22
